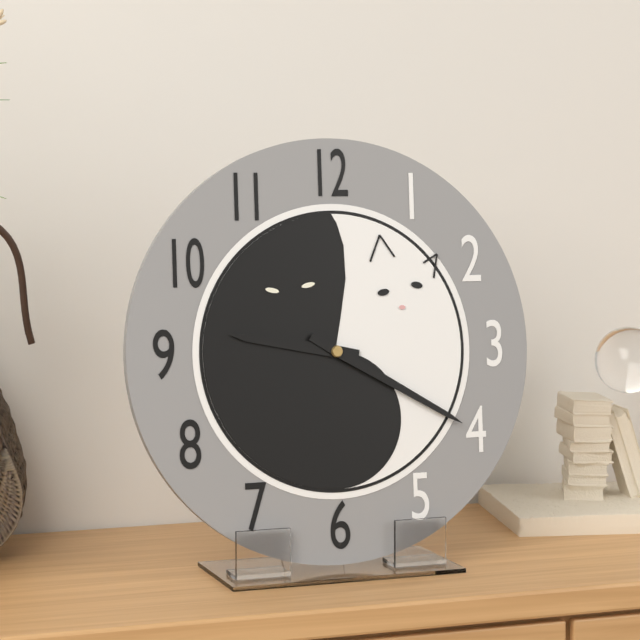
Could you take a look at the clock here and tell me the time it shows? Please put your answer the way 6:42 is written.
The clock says 9:20
